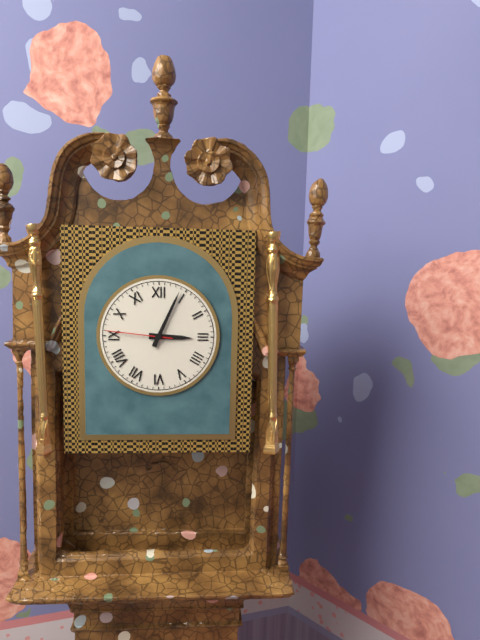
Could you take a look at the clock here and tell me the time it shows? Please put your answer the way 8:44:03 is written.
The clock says 3:04:46
